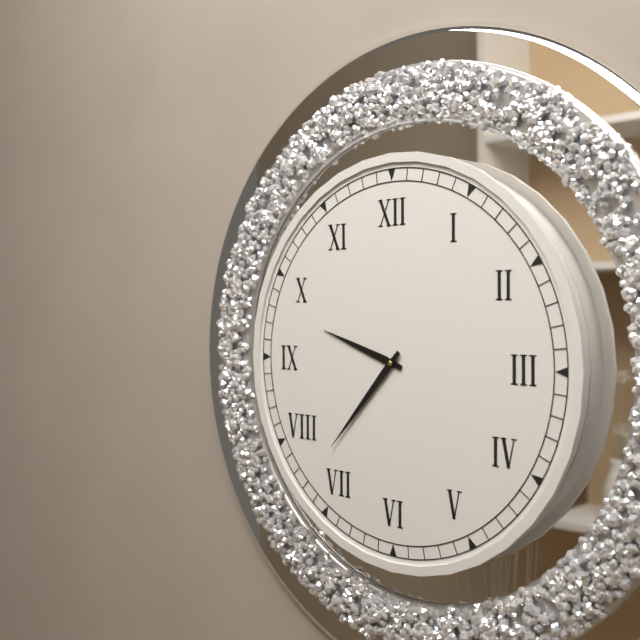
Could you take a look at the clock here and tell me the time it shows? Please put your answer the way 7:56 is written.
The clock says 9:37
